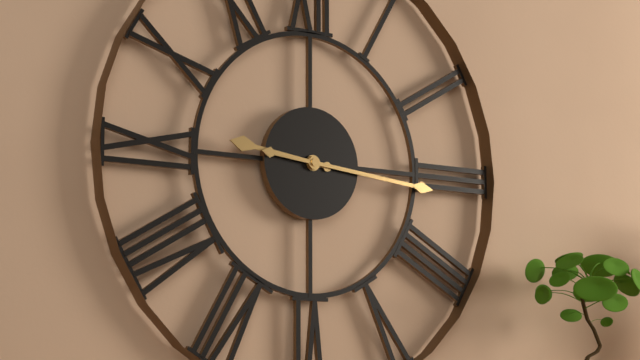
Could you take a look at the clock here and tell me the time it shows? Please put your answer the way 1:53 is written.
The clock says 9:16
